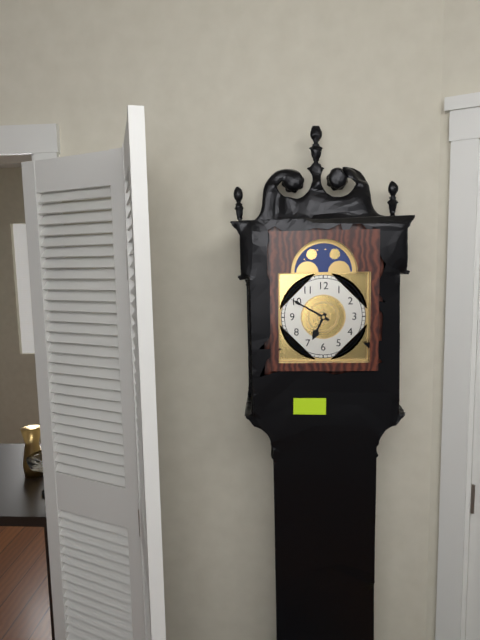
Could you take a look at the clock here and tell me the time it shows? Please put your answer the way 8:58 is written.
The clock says 6:50
